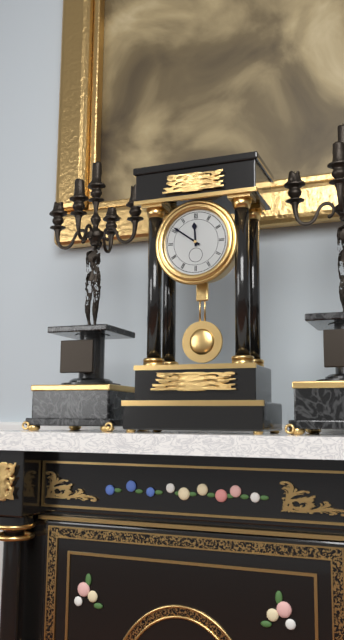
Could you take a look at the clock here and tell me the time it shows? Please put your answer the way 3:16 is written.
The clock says 11:51
